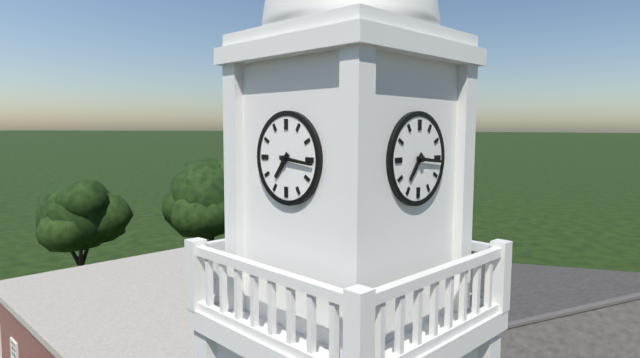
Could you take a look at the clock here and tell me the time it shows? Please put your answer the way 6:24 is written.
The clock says 7:16
